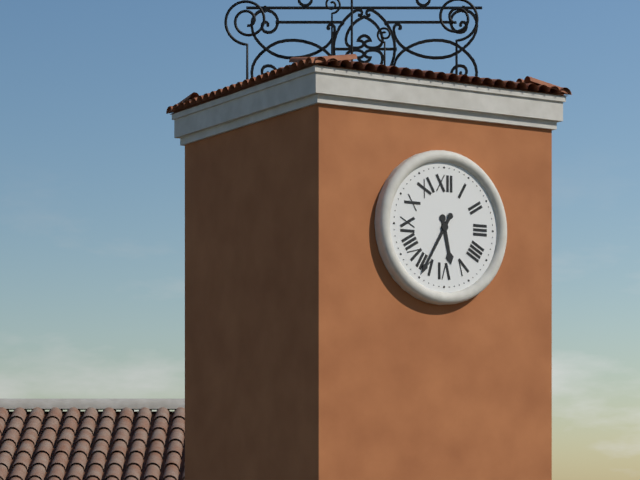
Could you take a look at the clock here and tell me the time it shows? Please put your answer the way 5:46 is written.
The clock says 5:35
